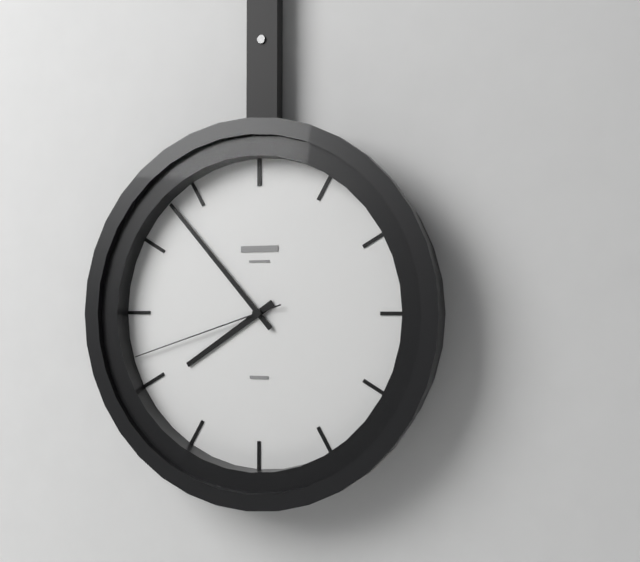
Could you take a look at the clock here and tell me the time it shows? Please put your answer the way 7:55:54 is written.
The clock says 7:53:42
